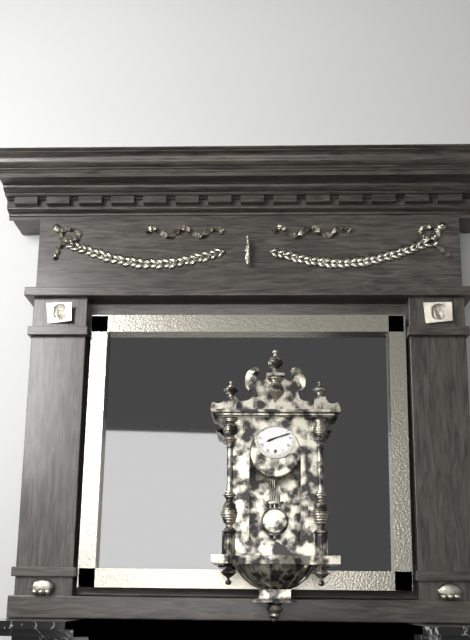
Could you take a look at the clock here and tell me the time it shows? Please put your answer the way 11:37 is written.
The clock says 8:12
